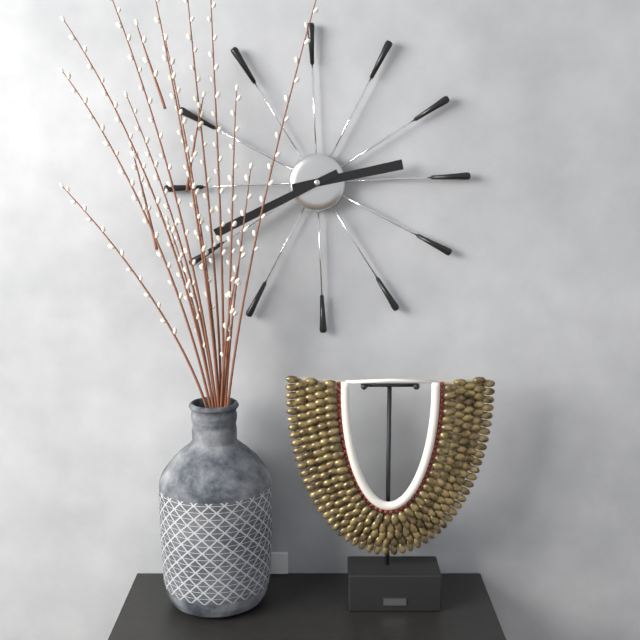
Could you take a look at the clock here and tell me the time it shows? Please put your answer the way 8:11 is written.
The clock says 2:41
